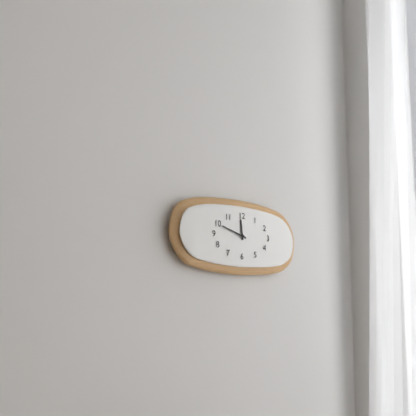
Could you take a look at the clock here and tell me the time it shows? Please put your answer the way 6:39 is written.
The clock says 11:48
